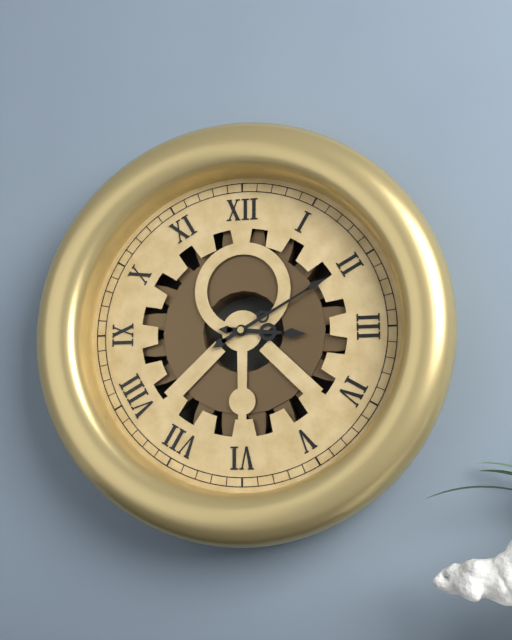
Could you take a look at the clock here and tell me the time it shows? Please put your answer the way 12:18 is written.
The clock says 3:10
